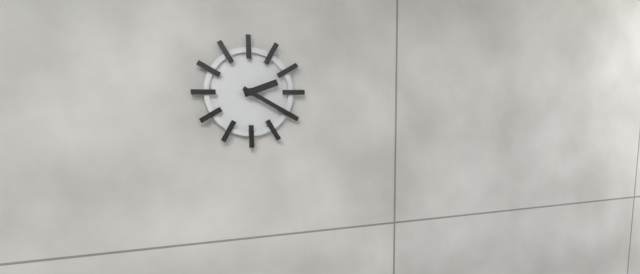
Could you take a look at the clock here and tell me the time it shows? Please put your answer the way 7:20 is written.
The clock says 2:20
